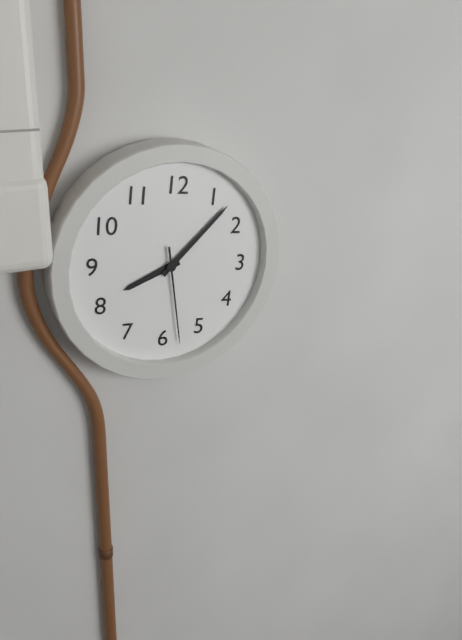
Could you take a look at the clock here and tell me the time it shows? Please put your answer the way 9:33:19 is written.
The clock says 8:07:28
